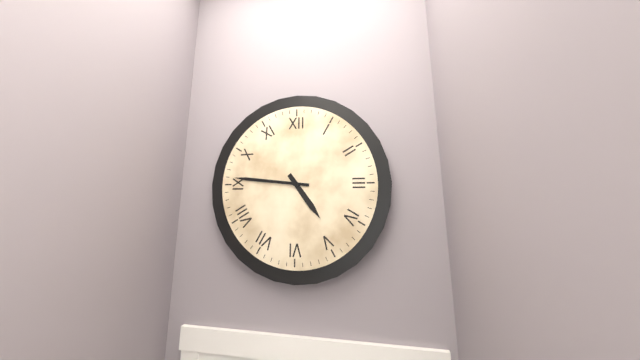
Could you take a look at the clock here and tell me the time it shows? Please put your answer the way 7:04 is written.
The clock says 4:46
